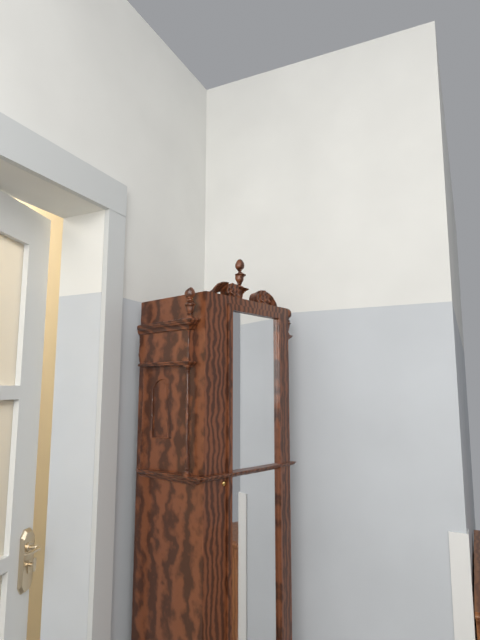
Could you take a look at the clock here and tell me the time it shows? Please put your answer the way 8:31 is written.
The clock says 11:48
